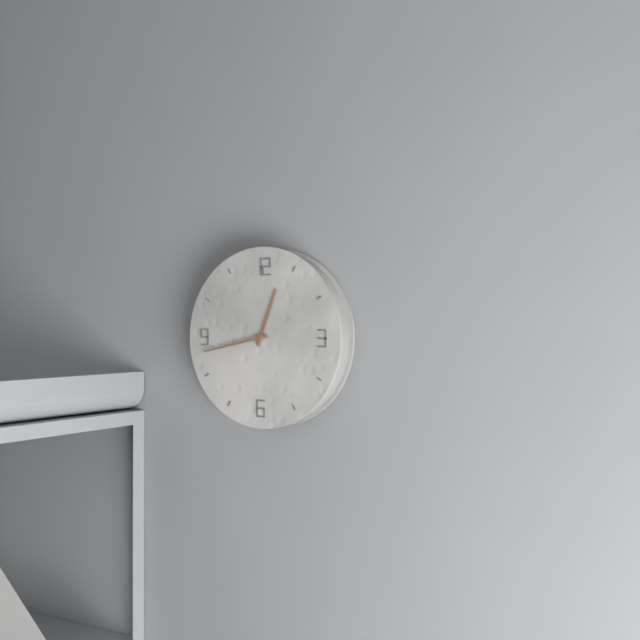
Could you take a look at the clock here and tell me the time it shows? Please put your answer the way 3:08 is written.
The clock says 12:43
